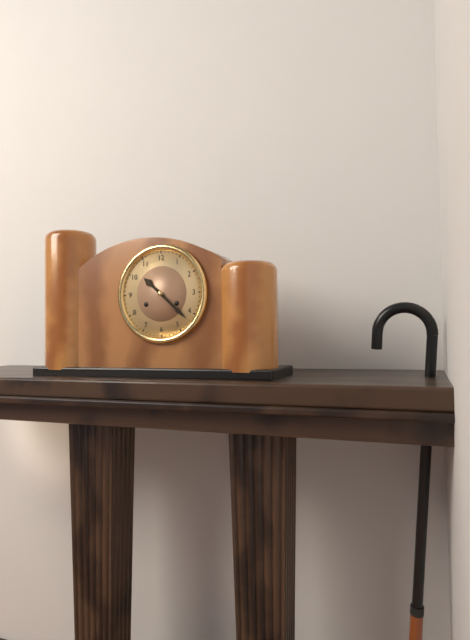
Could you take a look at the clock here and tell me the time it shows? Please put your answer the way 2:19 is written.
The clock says 10:22
